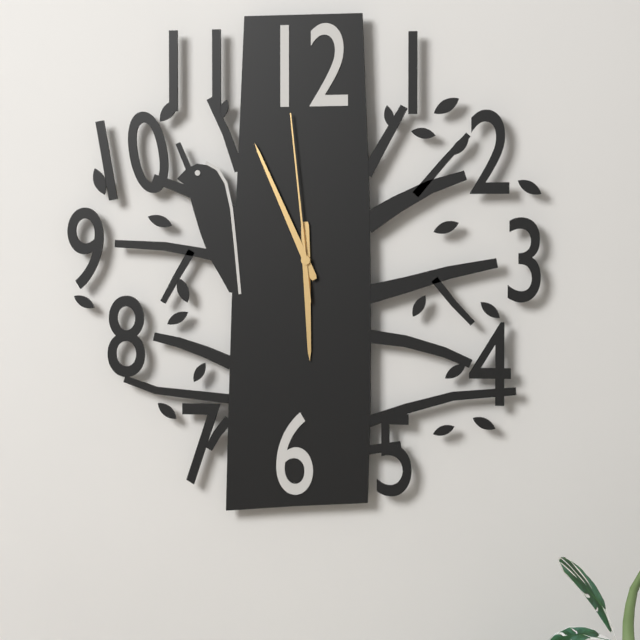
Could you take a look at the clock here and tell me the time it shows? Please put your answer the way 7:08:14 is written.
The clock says 5:56:59
